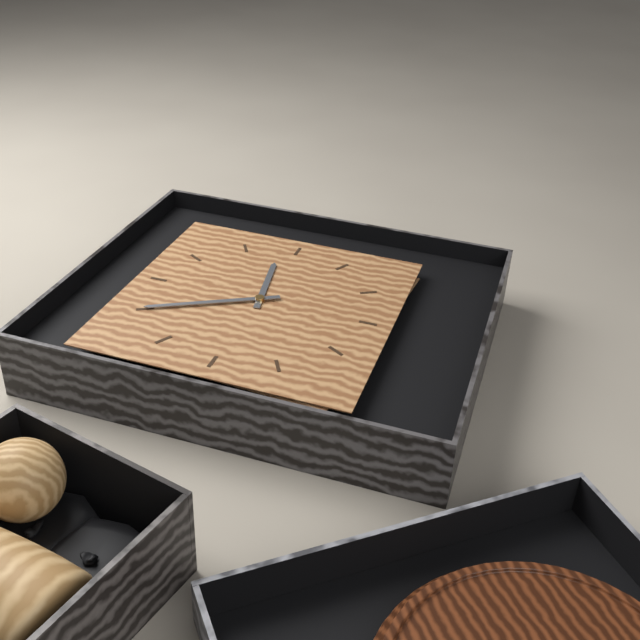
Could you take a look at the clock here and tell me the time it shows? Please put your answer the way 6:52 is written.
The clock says 11:40
